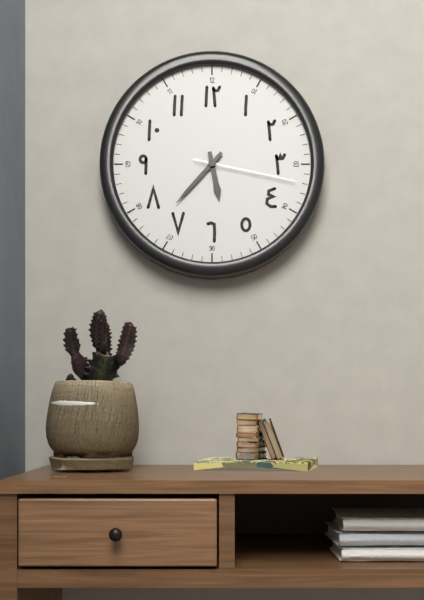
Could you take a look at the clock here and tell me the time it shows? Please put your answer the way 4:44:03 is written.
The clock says 5:37:17
